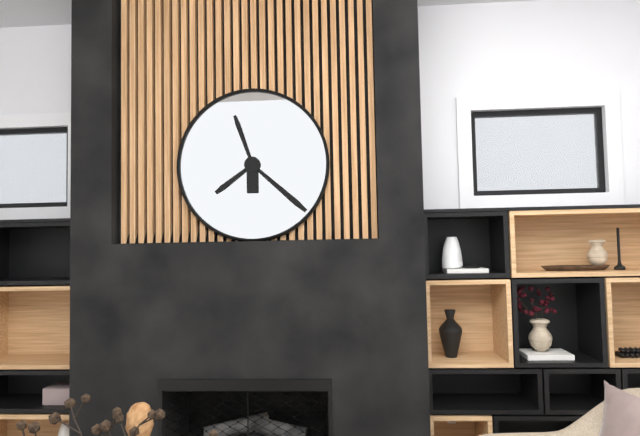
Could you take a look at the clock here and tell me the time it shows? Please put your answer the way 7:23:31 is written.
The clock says 11:22:39
